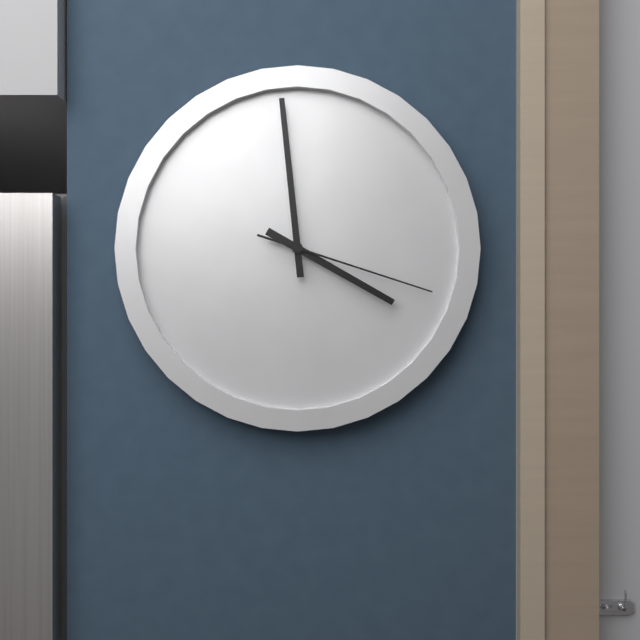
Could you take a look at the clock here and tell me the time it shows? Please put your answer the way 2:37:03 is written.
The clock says 3:59:18
